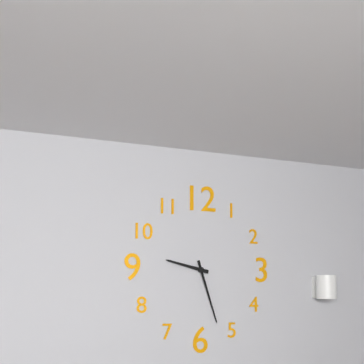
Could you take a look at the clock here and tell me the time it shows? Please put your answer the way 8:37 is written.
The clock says 9:27
